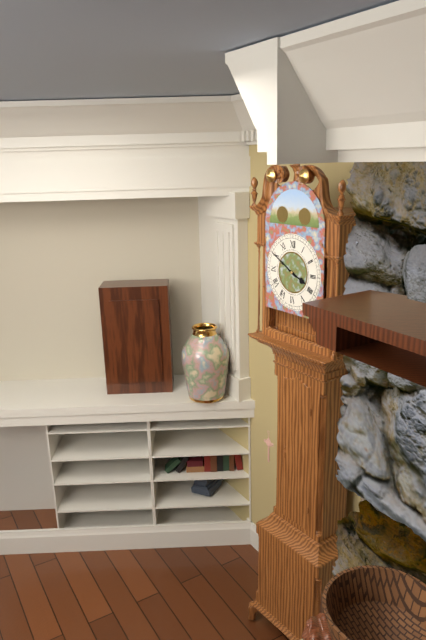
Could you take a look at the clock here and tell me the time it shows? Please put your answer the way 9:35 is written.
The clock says 3:50
